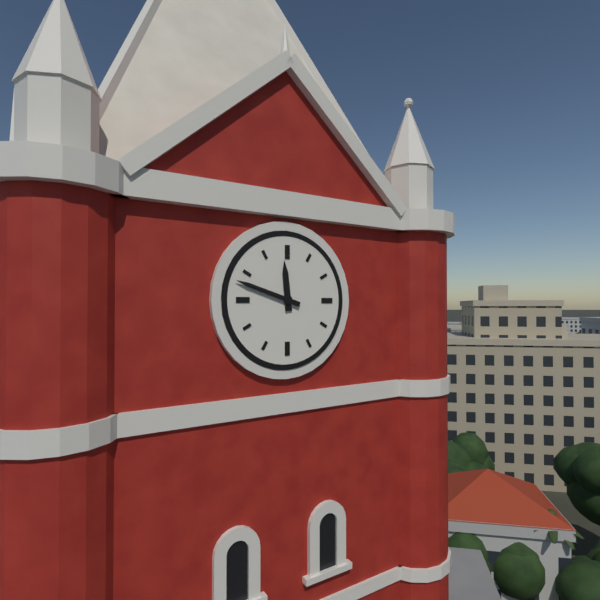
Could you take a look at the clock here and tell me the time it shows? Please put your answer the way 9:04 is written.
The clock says 11:48
